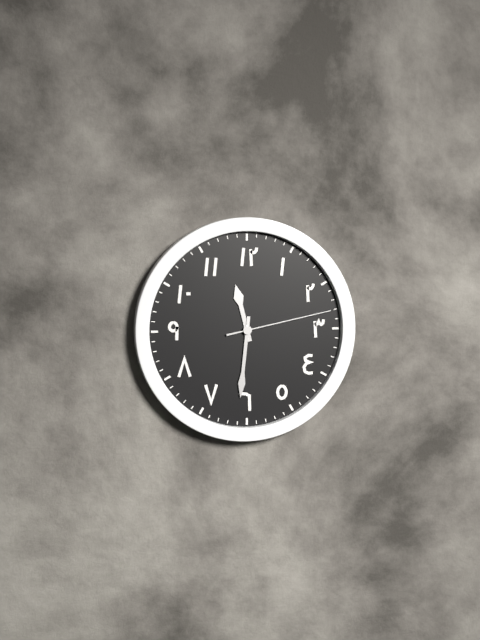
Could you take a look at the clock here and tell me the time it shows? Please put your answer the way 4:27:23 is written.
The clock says 11:31:13
